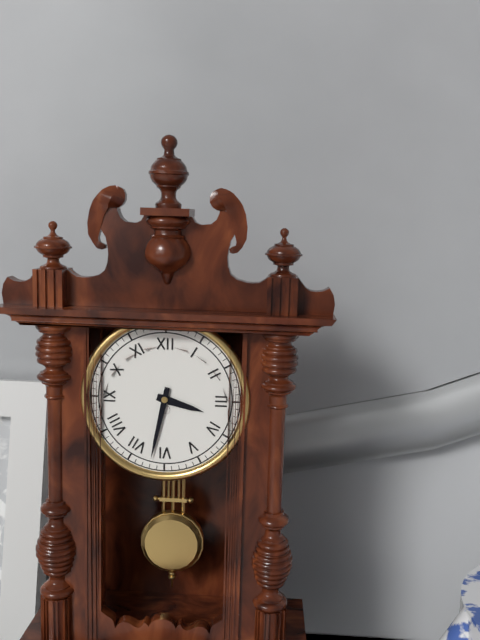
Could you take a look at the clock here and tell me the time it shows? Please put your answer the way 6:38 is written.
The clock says 3:32
